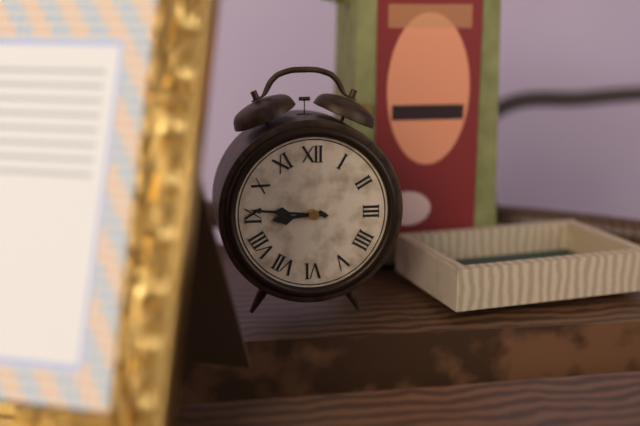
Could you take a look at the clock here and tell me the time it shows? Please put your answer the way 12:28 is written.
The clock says 8:46
